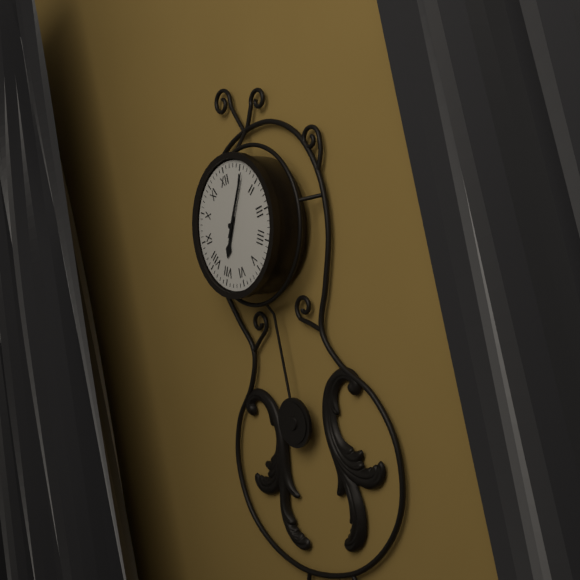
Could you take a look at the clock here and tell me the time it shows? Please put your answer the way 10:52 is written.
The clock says 7:06
